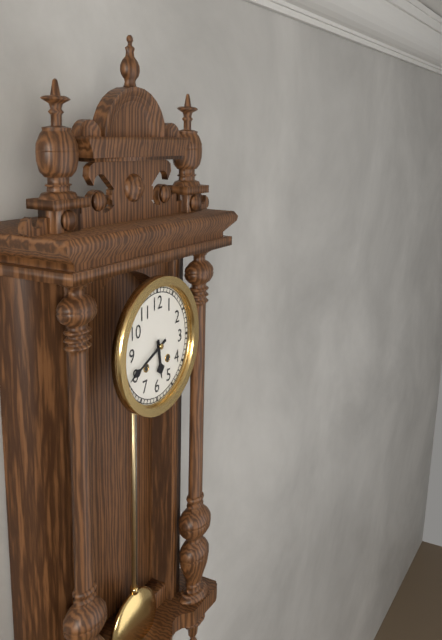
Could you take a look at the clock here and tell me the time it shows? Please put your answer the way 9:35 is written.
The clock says 5:41
